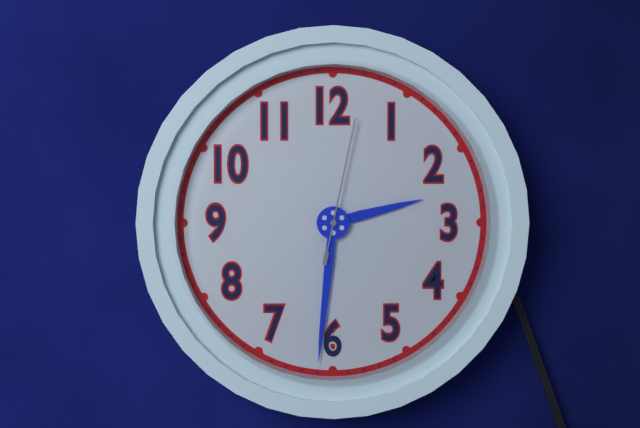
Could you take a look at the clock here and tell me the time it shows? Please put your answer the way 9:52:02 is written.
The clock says 2:31:02
